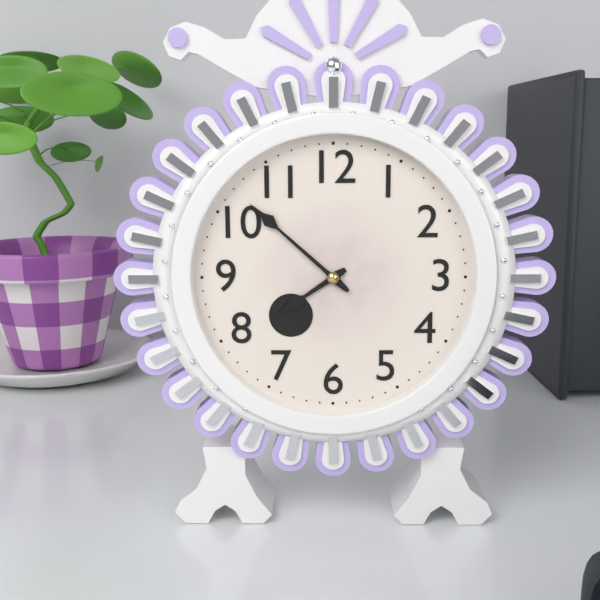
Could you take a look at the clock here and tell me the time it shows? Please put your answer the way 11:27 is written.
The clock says 7:52
